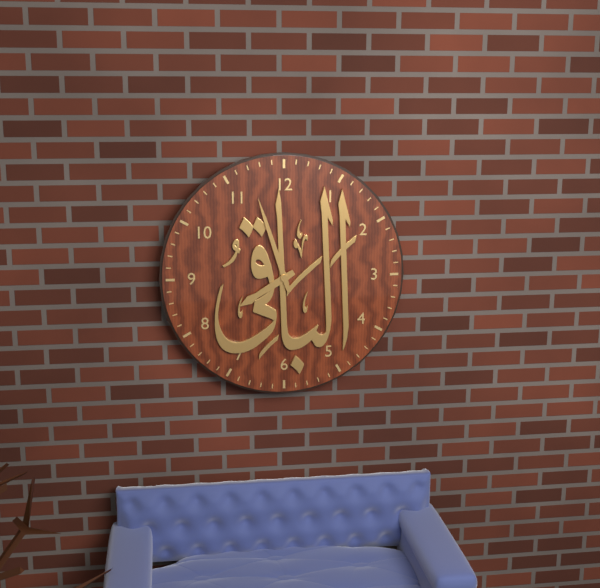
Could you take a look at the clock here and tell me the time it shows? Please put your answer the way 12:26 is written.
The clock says 7:57
